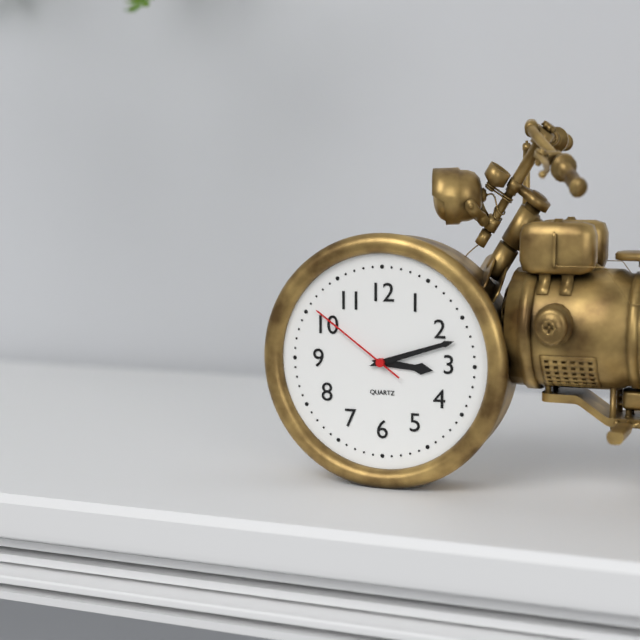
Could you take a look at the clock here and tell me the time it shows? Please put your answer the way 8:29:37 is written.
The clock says 3:12:51
